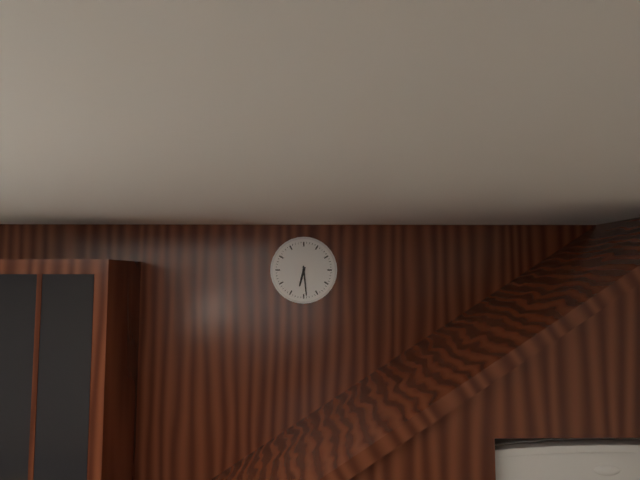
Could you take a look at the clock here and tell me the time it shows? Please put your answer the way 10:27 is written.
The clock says 6:29
